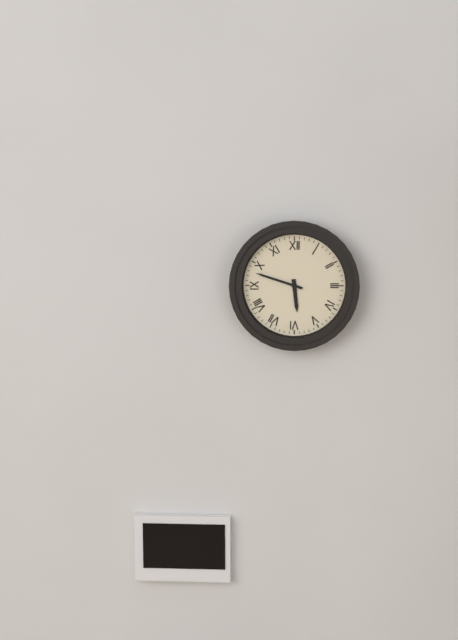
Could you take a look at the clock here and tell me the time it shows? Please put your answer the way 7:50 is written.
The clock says 5:48
